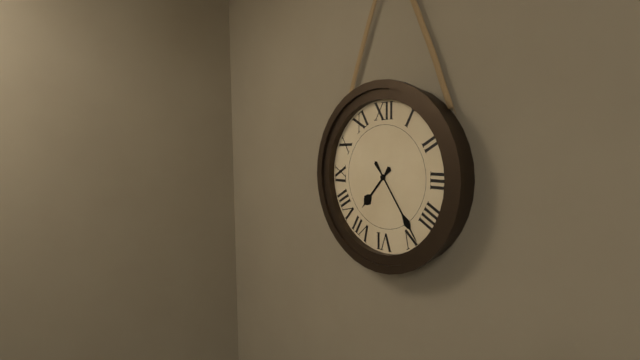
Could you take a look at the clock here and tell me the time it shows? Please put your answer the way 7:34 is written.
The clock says 7:24
